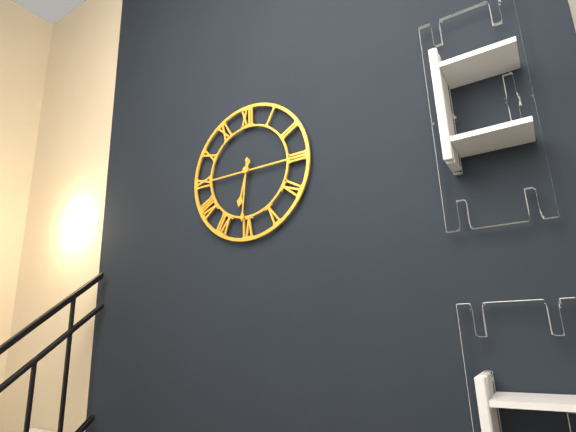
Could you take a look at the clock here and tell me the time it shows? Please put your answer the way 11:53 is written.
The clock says 6:31
